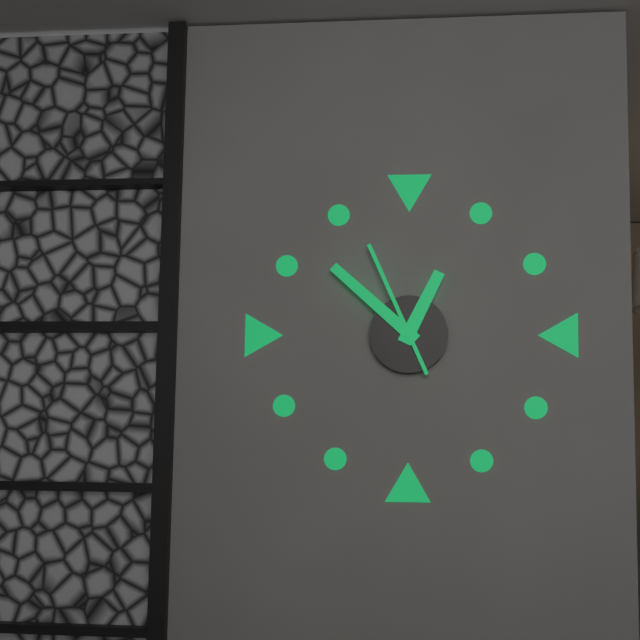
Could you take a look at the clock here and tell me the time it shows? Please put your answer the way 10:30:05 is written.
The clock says 12:52:56
